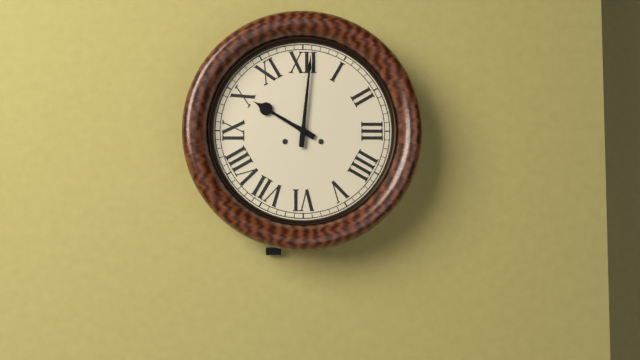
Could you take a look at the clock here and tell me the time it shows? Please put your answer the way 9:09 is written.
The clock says 10:01
